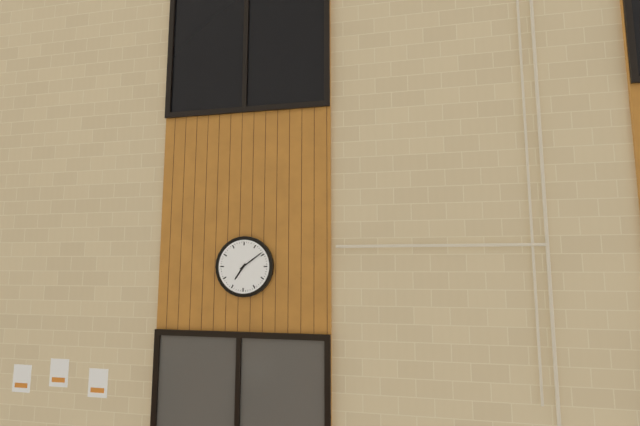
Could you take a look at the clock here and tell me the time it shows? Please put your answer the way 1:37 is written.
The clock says 7:09
